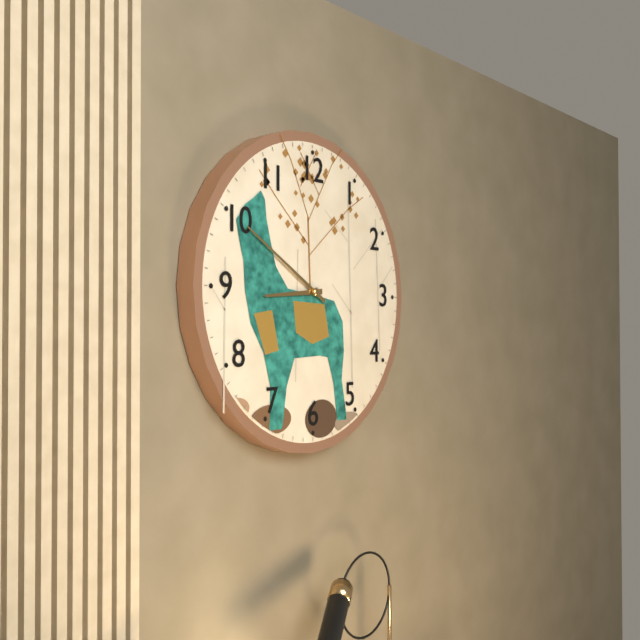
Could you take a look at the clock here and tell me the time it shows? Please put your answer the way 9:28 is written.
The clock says 8:50
